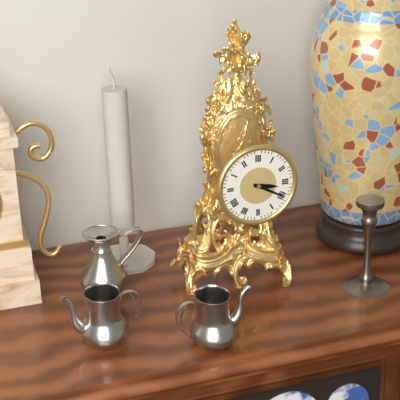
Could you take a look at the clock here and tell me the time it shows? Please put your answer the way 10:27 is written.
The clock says 3:20
